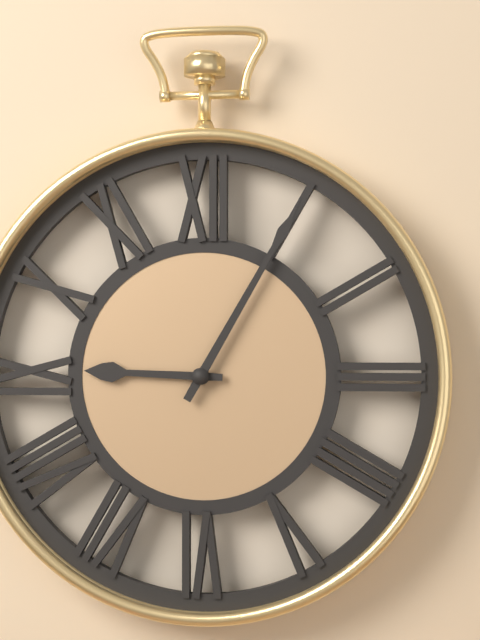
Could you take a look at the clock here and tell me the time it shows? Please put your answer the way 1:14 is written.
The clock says 9:05
